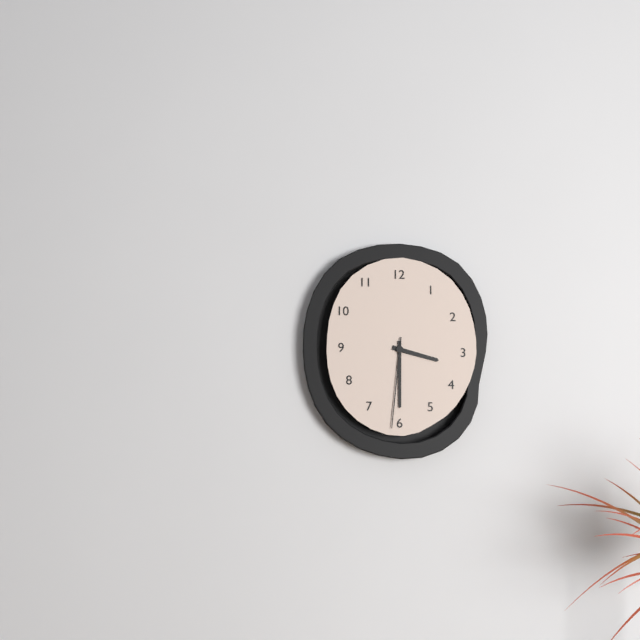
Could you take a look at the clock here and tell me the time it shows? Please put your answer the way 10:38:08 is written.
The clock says 3:30:31
